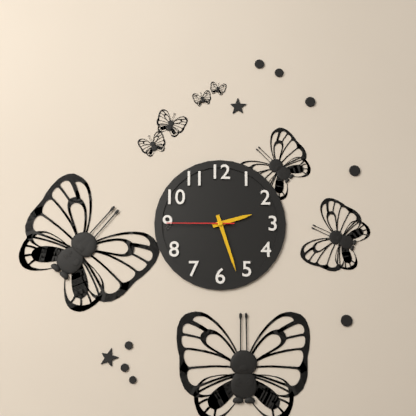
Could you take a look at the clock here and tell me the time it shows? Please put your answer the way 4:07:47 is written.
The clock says 2:27:45
